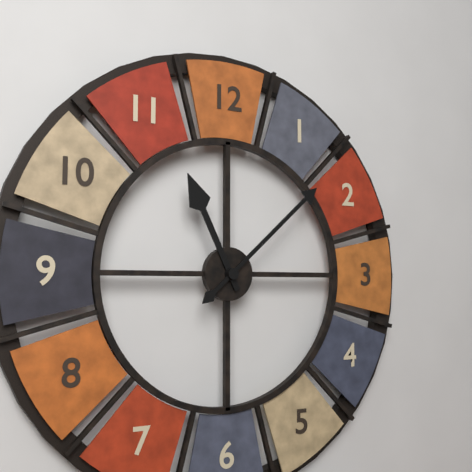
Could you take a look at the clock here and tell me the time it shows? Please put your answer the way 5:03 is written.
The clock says 11:08
